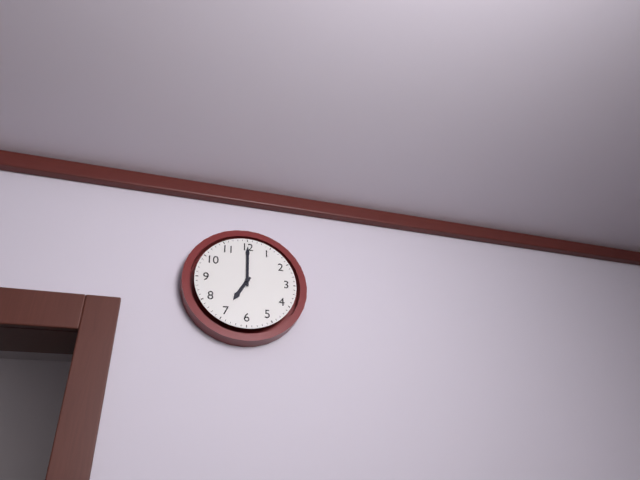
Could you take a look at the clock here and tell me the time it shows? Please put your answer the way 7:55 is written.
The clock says 7:00
